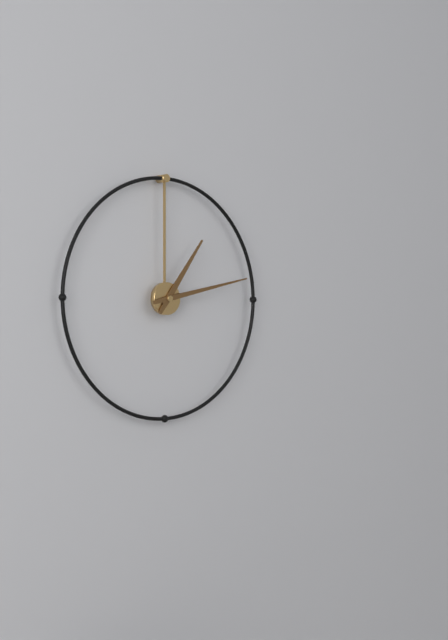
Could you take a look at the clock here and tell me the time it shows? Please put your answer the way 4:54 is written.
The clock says 1:13
